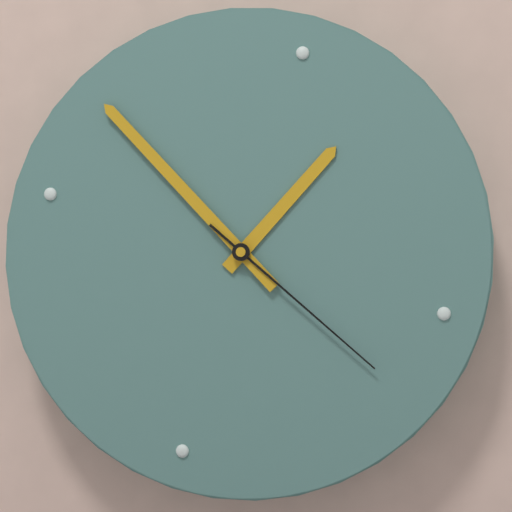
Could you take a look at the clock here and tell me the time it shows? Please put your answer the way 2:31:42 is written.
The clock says 12:50:19
